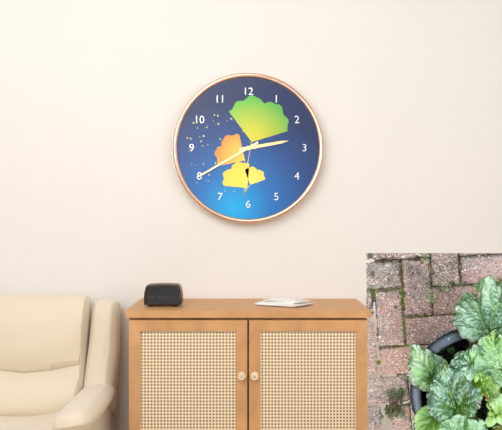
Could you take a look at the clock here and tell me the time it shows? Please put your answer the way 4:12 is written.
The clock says 2:40
